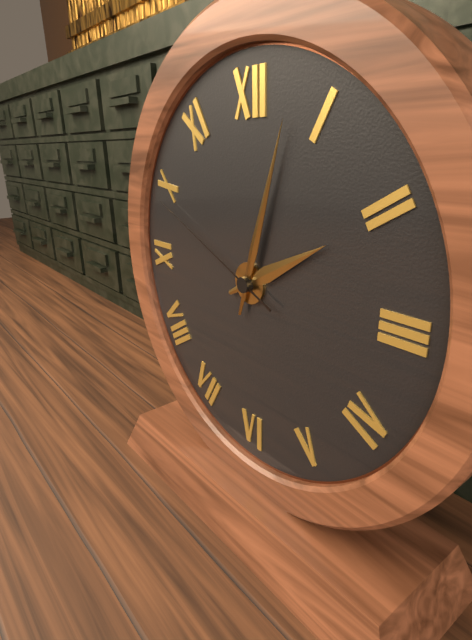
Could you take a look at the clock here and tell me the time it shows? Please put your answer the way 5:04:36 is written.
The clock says 2:03:49
